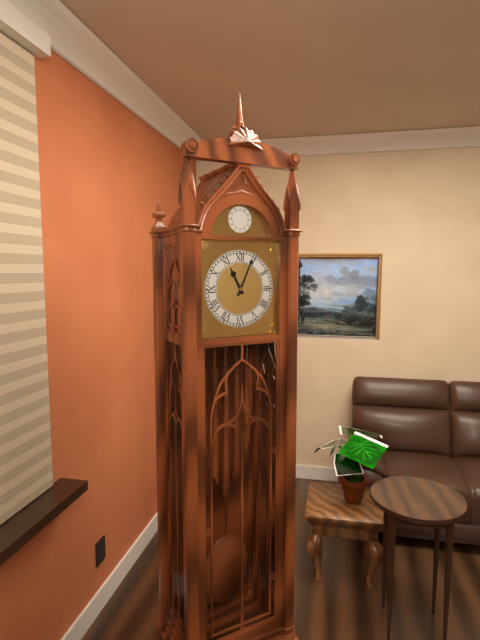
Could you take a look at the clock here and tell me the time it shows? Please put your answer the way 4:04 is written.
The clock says 11:04
